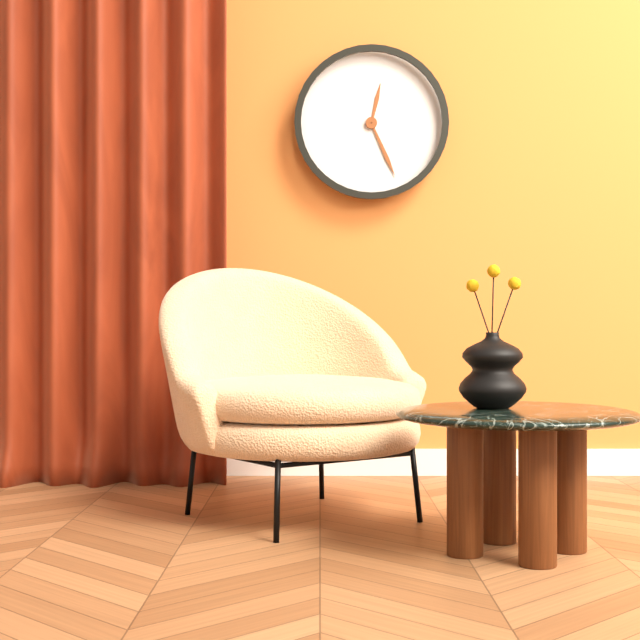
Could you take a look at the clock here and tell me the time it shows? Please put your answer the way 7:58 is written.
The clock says 12:26
